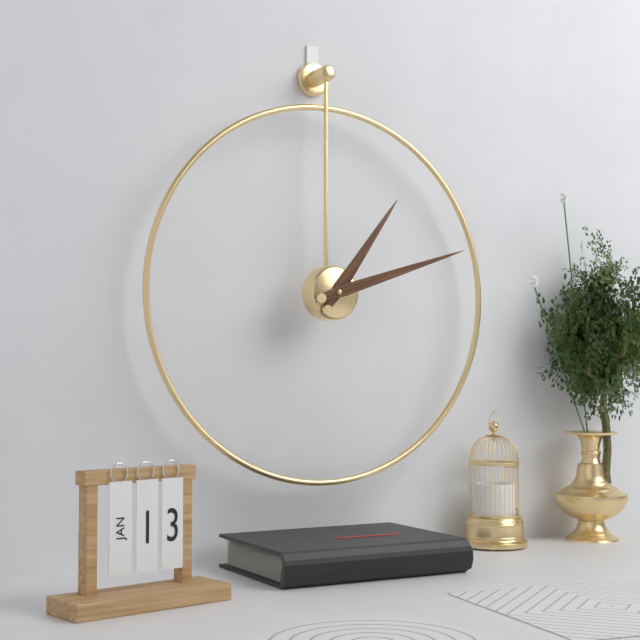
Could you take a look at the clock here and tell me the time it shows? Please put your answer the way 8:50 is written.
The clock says 1:12
